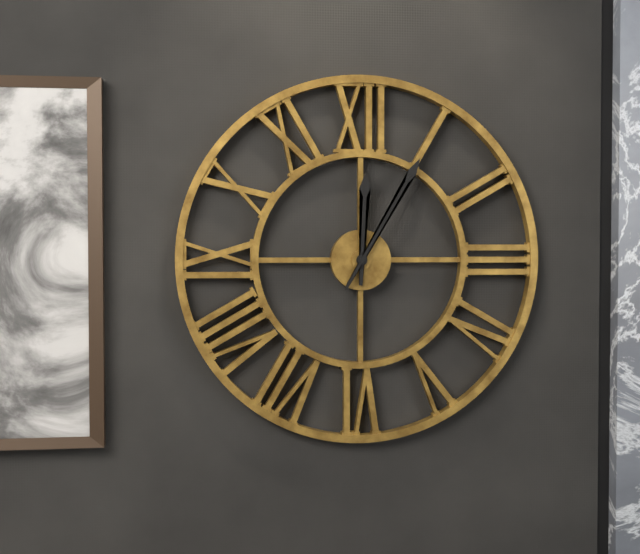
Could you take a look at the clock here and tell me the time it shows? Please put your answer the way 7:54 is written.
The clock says 12:05
